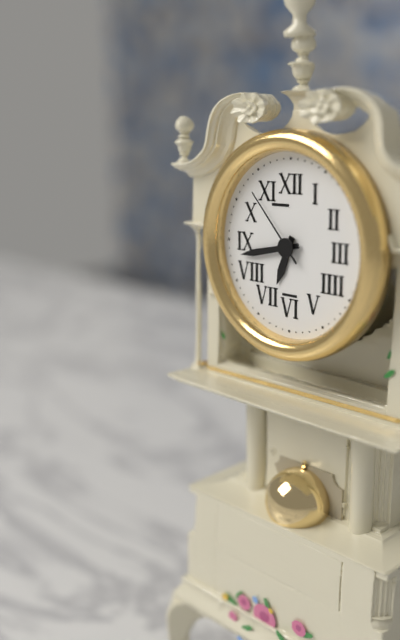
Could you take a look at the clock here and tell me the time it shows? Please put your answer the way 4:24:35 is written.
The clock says 6:43:53
